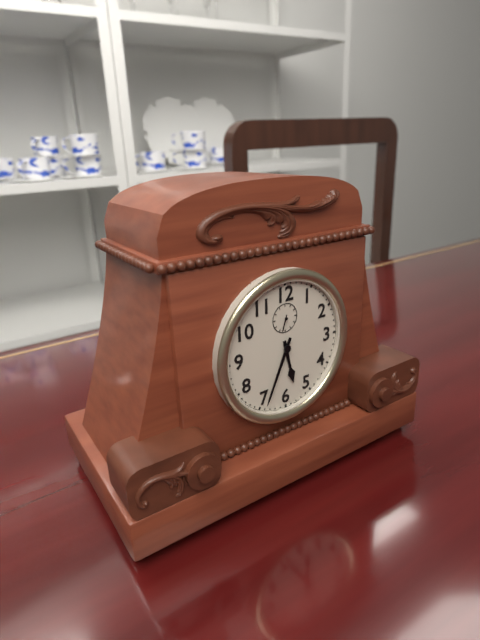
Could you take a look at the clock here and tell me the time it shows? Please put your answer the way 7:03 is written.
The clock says 5:34
